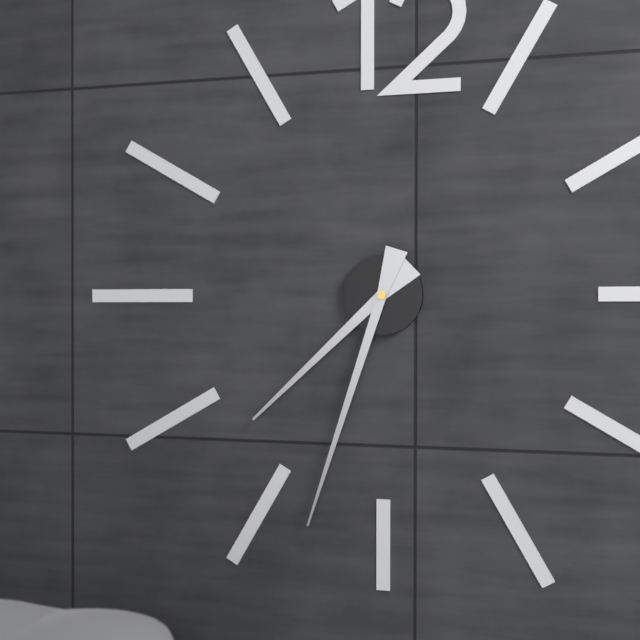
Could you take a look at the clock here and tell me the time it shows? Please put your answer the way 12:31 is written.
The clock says 7:33
